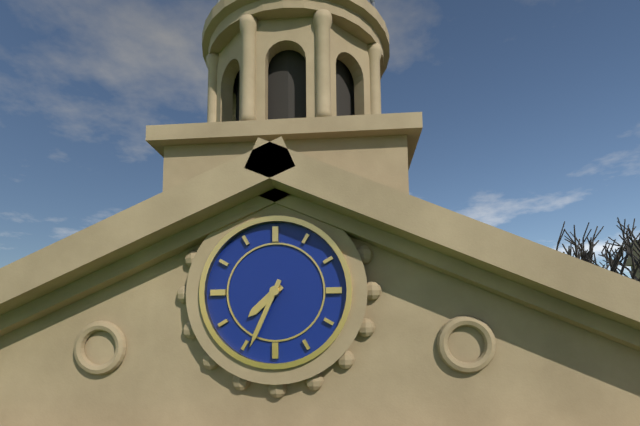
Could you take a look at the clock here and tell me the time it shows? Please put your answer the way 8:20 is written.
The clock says 7:34
